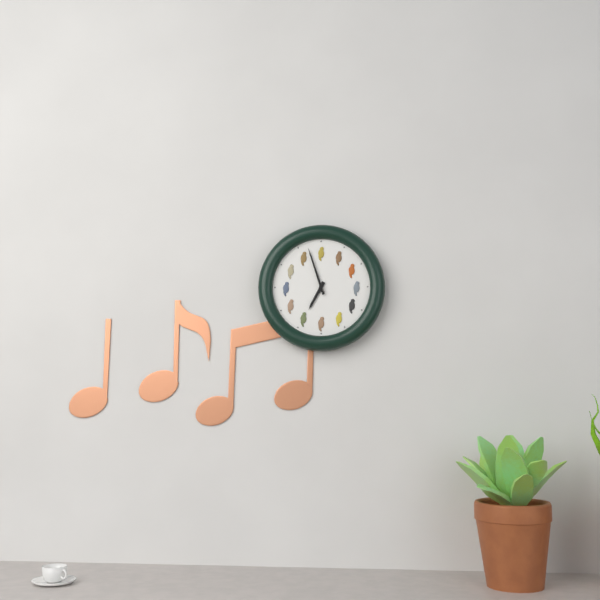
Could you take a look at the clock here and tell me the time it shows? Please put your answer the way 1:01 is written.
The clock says 6:57
